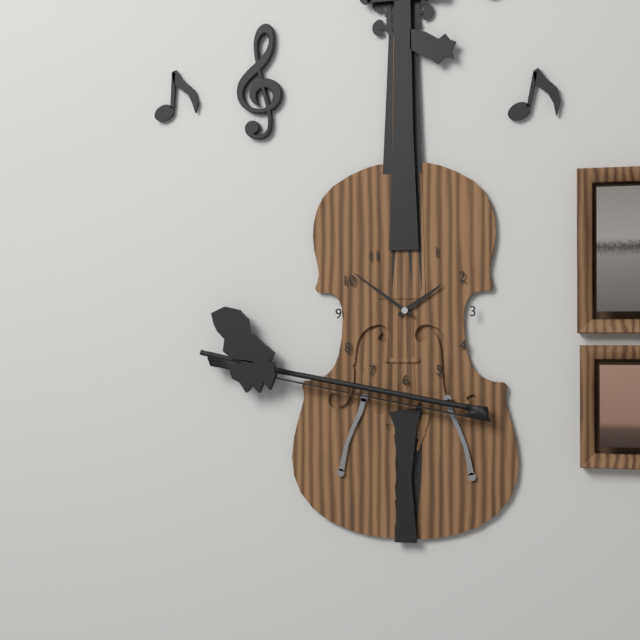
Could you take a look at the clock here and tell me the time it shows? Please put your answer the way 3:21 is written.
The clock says 1:51
